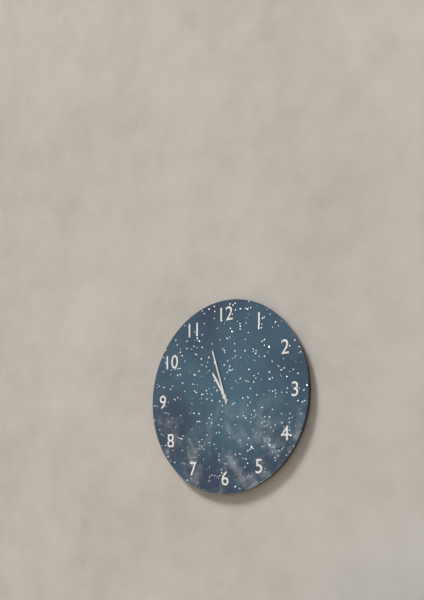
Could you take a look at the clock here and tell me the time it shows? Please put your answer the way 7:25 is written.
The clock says 10:57
